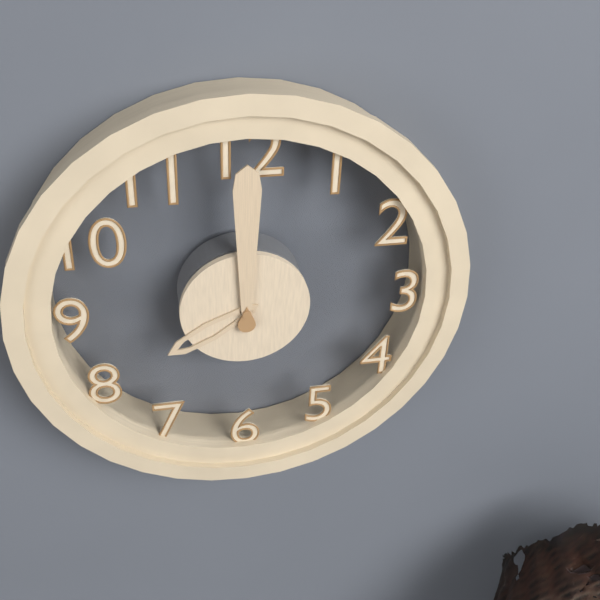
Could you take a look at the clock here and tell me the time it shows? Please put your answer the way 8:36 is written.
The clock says 8:00
